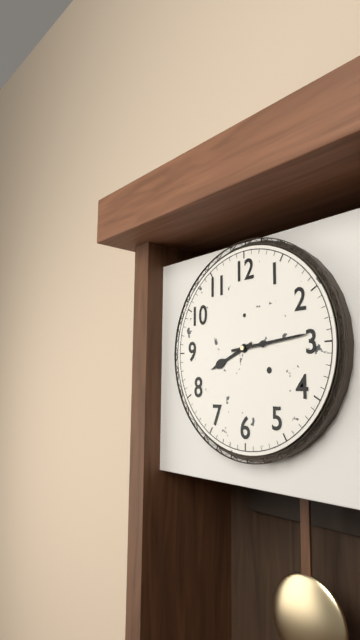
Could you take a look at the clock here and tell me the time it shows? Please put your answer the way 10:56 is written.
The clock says 8:14
